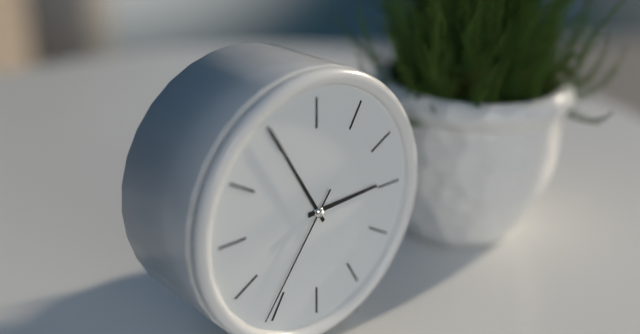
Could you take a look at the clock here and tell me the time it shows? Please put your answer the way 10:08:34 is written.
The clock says 2:55:36
